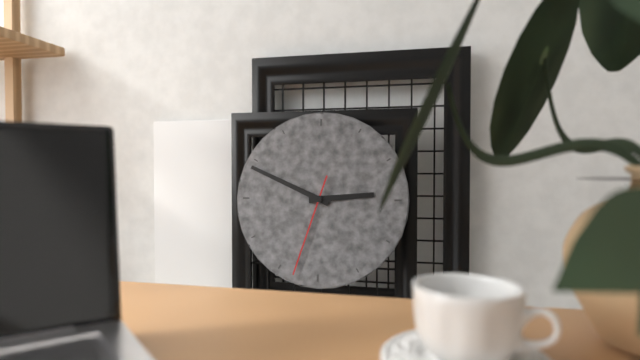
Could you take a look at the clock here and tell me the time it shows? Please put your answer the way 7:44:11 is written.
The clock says 2:49:33
